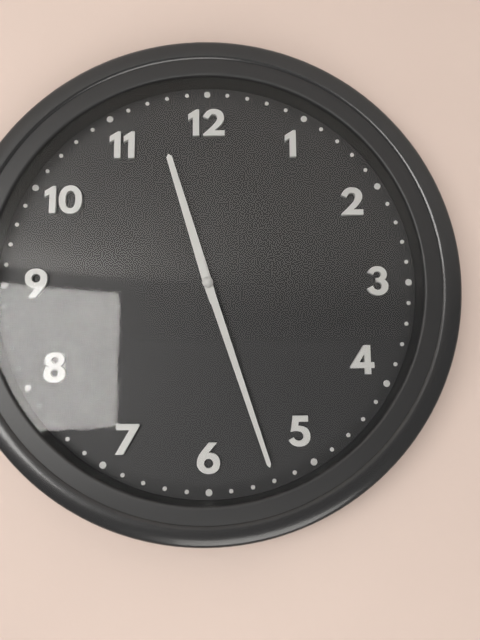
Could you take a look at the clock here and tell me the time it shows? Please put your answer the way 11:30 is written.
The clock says 11:27
